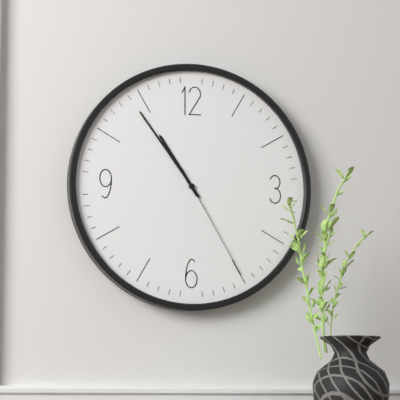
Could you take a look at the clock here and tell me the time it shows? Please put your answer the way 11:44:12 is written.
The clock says 10:54:25
